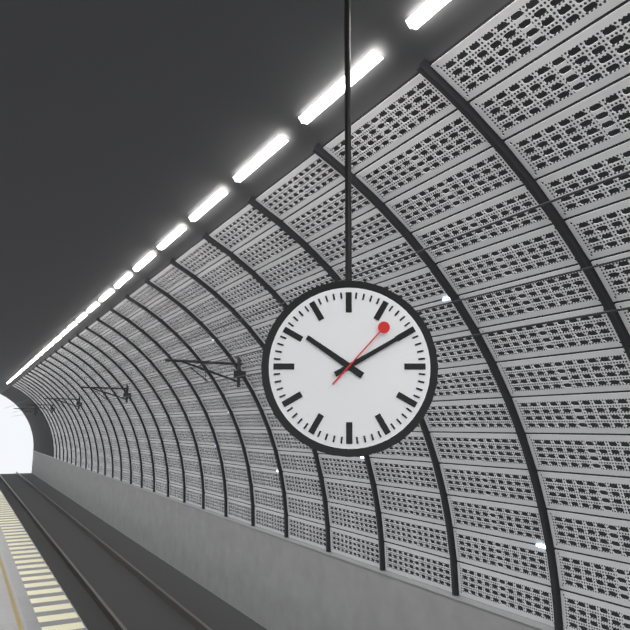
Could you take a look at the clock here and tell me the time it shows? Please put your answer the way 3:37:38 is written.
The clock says 10:10:07
